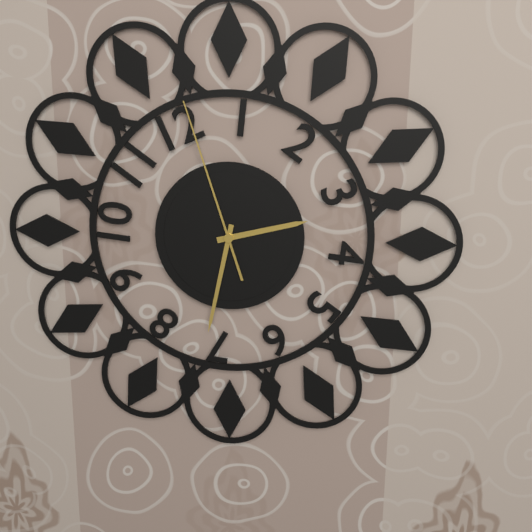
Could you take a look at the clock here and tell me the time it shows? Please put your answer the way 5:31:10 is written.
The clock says 2:32:57
